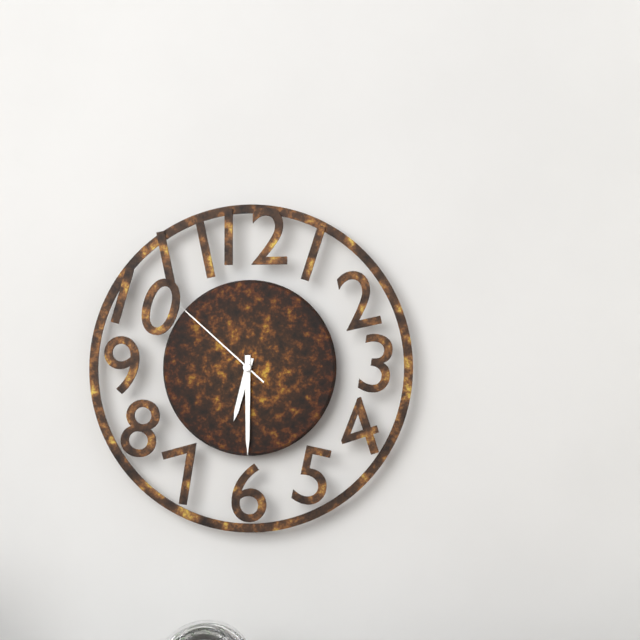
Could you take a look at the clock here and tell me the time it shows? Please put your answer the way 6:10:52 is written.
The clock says 6:30:52
